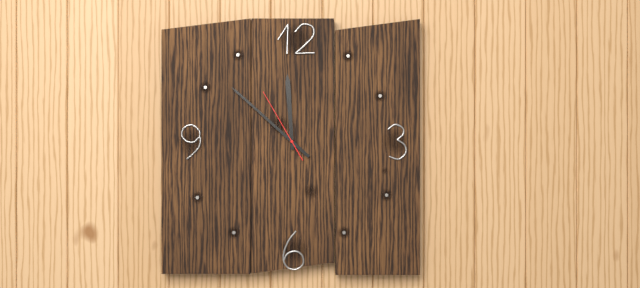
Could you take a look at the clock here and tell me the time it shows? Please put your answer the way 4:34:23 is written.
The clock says 11:52:55
